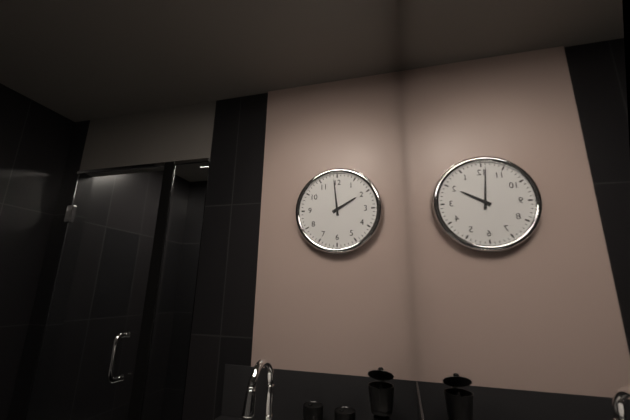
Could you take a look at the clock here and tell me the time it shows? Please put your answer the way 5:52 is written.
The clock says 1:59
